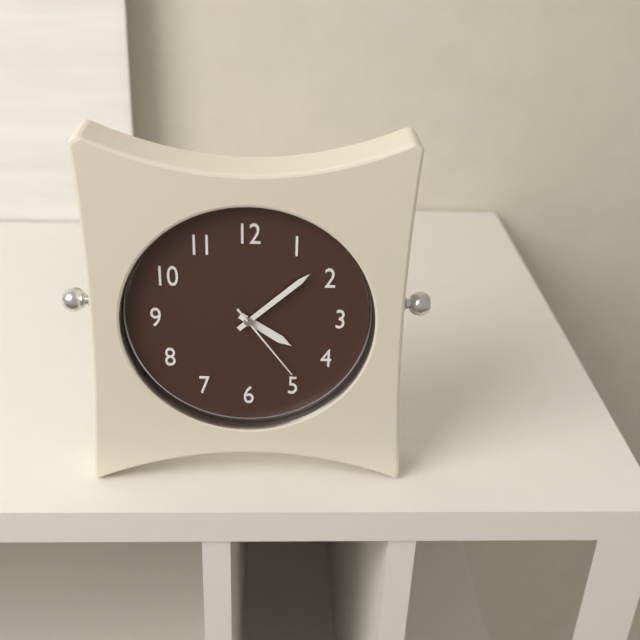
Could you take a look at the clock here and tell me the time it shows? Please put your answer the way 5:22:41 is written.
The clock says 4:08:24
